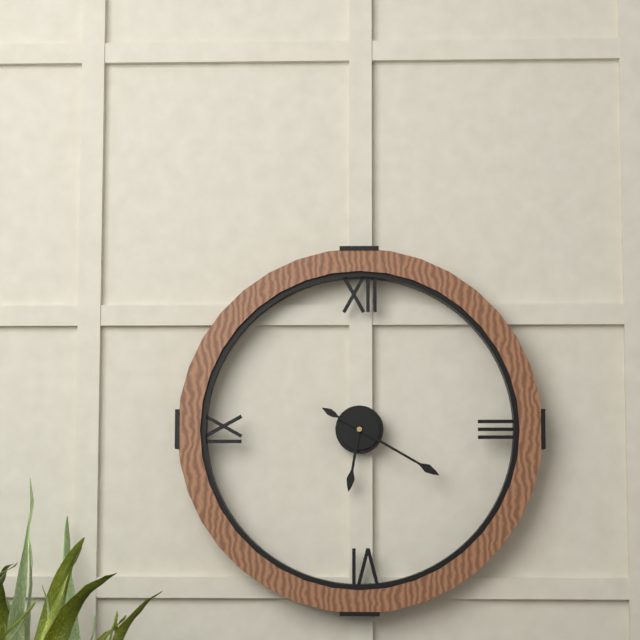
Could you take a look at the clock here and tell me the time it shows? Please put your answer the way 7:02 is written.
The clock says 6:20
